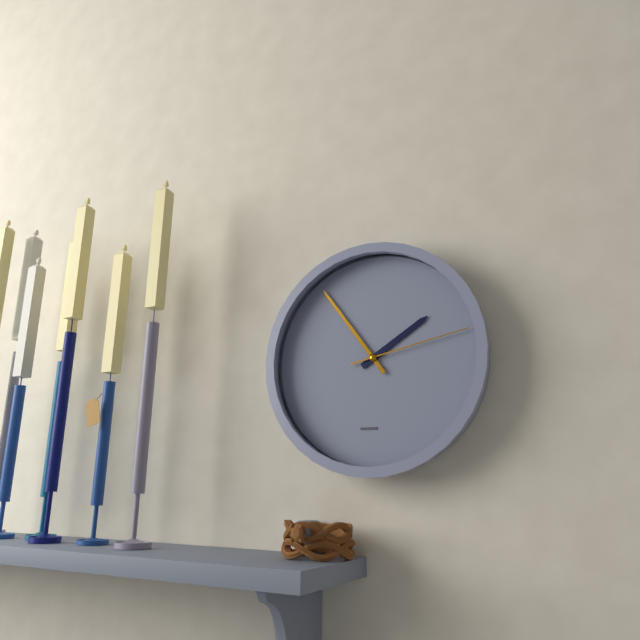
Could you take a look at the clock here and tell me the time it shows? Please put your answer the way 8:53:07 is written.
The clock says 1:54:13
